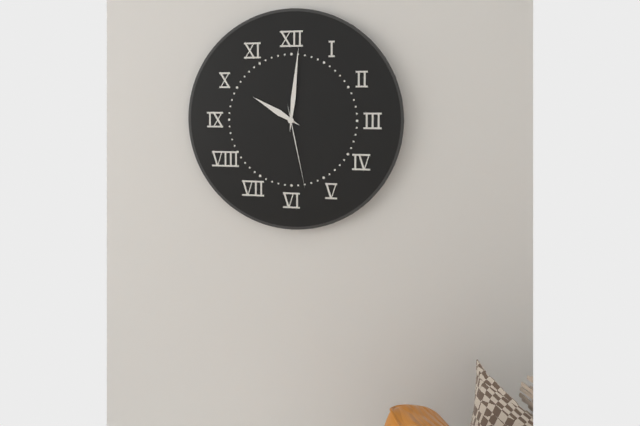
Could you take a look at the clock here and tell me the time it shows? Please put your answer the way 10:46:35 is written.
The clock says 10:01:28
